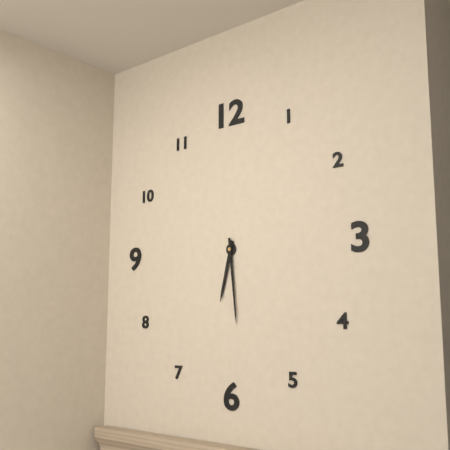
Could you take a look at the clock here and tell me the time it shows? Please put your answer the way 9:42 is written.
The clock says 6:29
